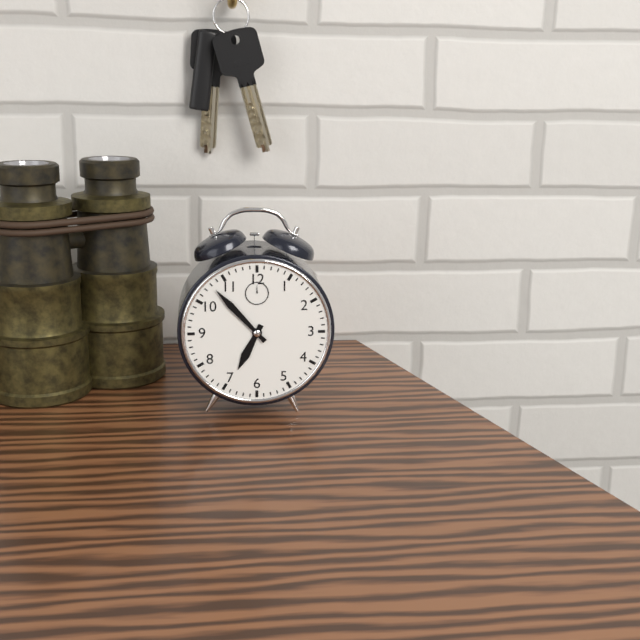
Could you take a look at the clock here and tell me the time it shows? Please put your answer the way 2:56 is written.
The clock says 6:53
